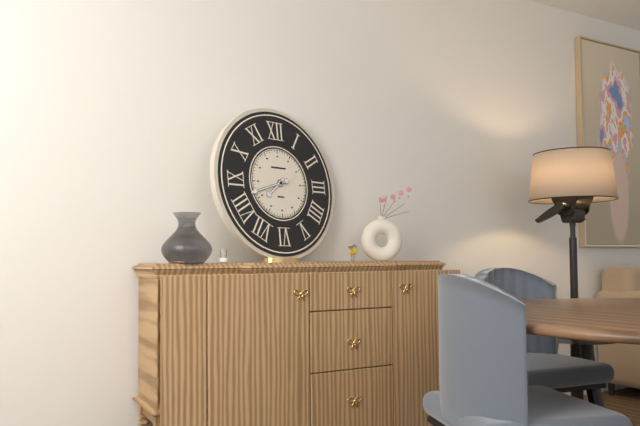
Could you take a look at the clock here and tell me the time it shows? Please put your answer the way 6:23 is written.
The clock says 7:42
